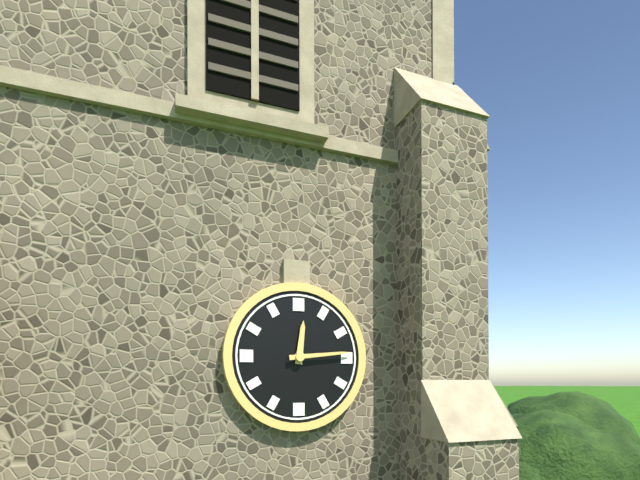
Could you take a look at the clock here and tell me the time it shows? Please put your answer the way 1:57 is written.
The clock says 12:14
